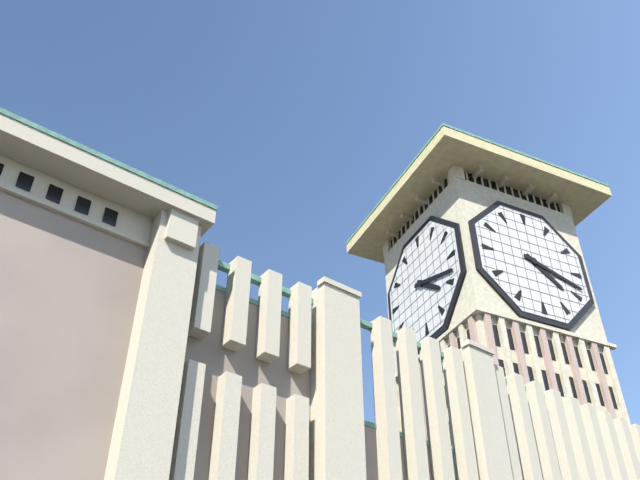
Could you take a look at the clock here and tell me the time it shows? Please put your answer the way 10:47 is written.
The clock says 4:18
